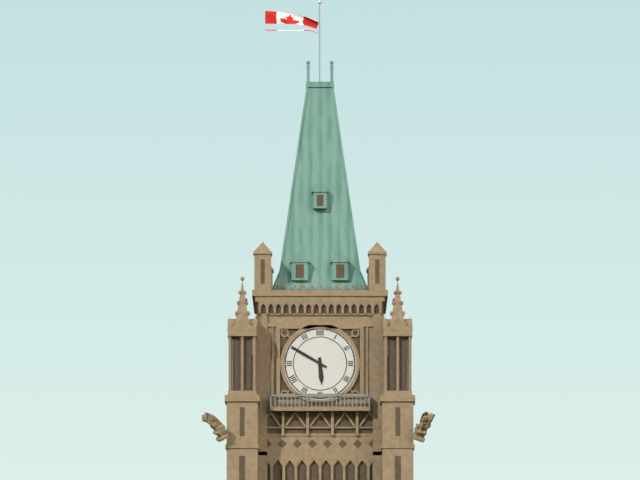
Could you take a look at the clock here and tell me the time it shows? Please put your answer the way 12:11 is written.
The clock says 5:50
